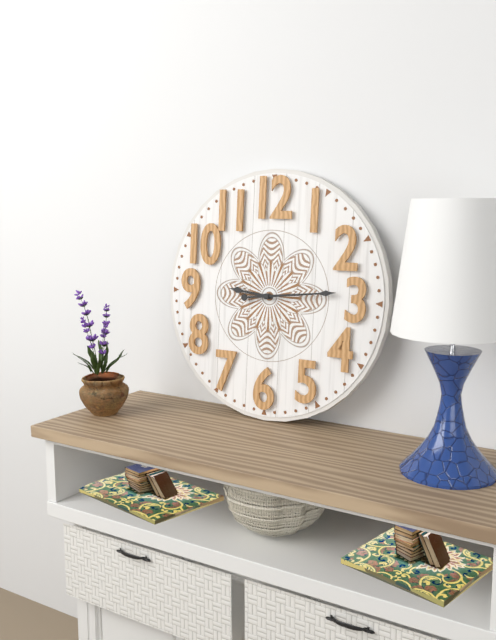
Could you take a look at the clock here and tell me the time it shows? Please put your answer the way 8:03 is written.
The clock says 9:14
